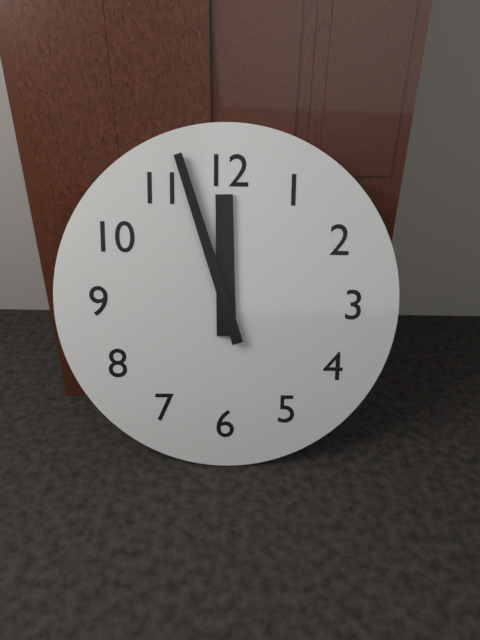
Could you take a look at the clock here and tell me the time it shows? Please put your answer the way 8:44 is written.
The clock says 11:57
